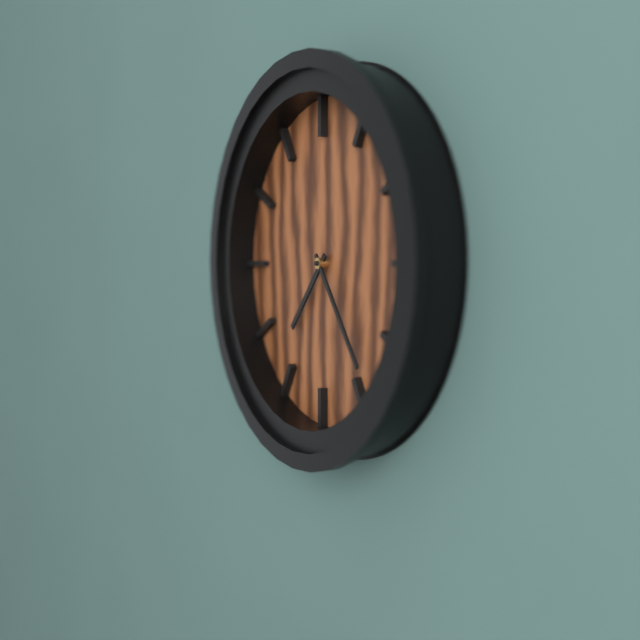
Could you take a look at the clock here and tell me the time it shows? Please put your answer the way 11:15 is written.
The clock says 7:24
